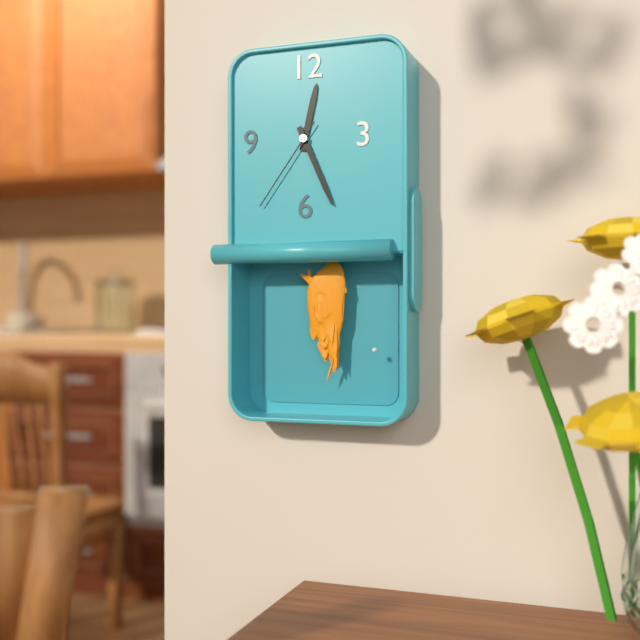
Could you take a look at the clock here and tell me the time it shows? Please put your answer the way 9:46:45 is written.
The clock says 12:26:36
